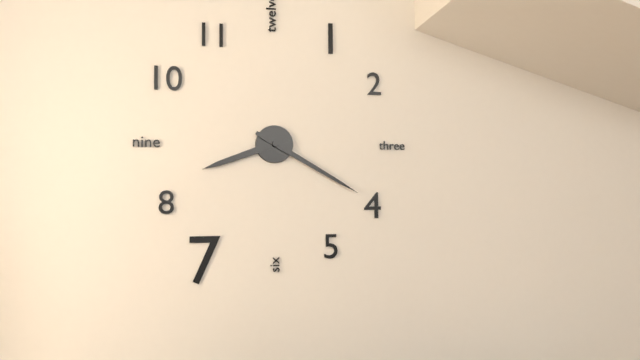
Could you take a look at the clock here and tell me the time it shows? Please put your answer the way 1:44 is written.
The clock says 8:20
